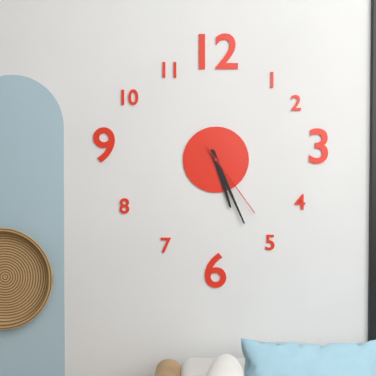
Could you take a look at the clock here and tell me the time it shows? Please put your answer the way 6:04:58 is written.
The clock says 5:26:24
